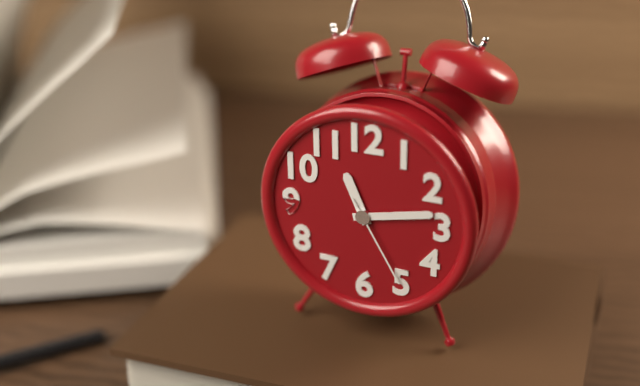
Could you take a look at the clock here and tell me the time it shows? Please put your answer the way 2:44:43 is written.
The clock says 11:13:25
